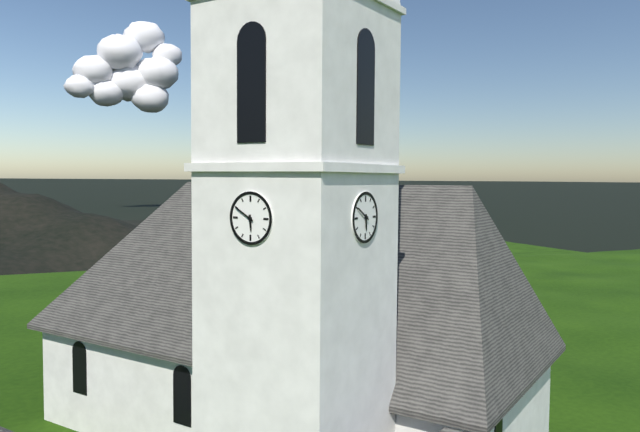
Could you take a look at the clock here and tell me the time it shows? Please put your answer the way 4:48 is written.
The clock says 5:50
